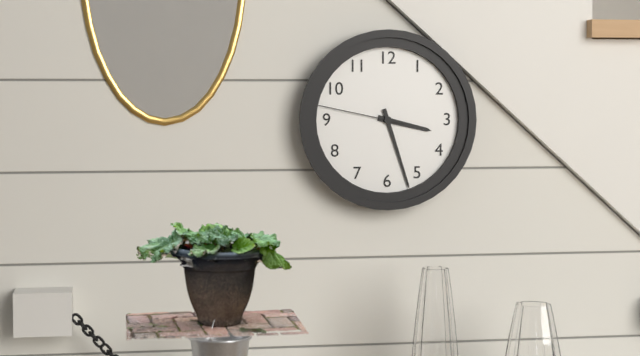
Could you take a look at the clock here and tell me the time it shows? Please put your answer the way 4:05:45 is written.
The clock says 3:27:47
